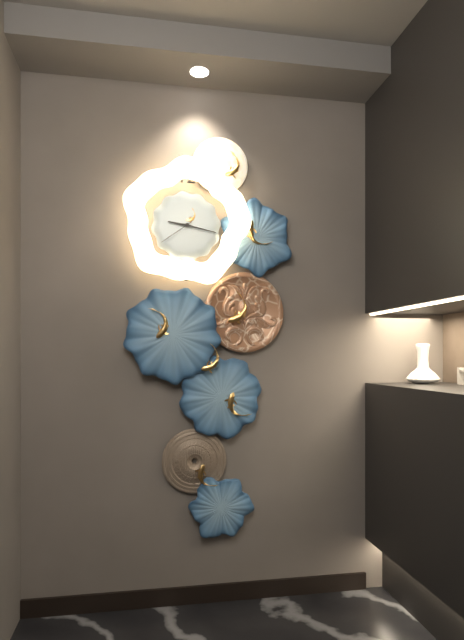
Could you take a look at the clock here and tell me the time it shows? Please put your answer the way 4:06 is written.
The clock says 9:17
